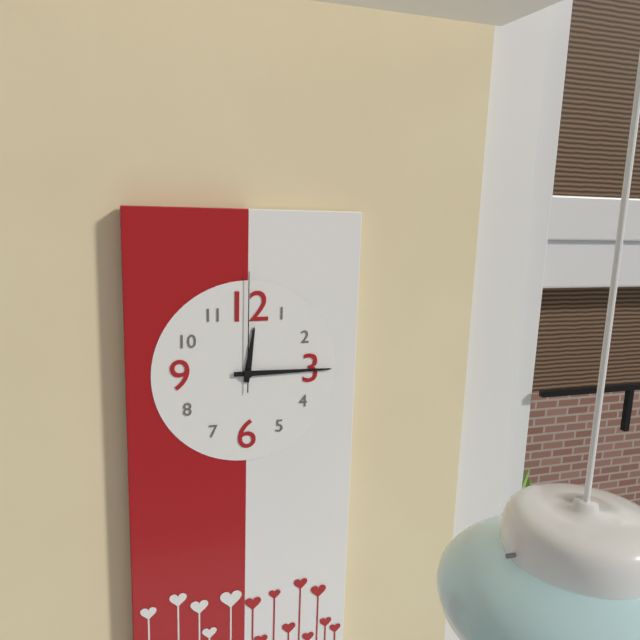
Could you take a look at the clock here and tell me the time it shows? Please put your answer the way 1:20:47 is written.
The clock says 12:15:00
